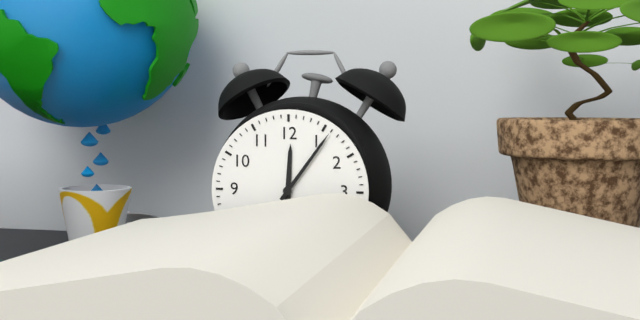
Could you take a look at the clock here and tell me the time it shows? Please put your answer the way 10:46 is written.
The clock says 12:06
